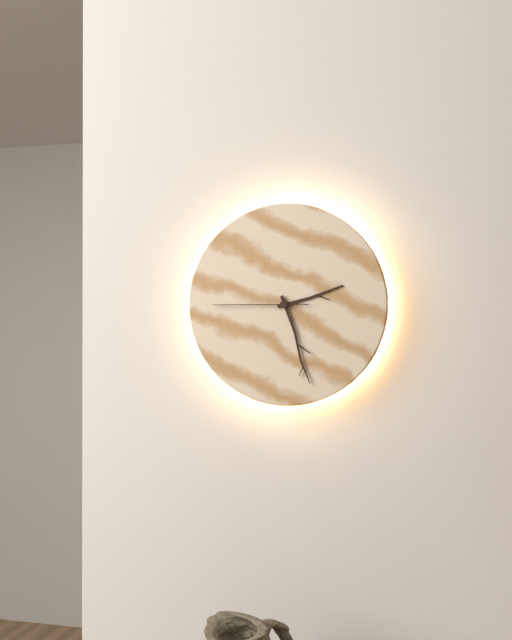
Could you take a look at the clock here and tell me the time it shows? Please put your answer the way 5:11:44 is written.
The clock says 2:27:45
